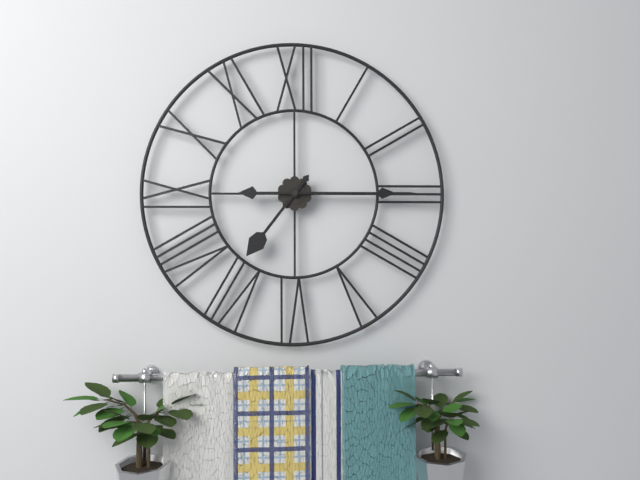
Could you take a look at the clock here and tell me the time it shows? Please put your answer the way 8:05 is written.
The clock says 7:15
